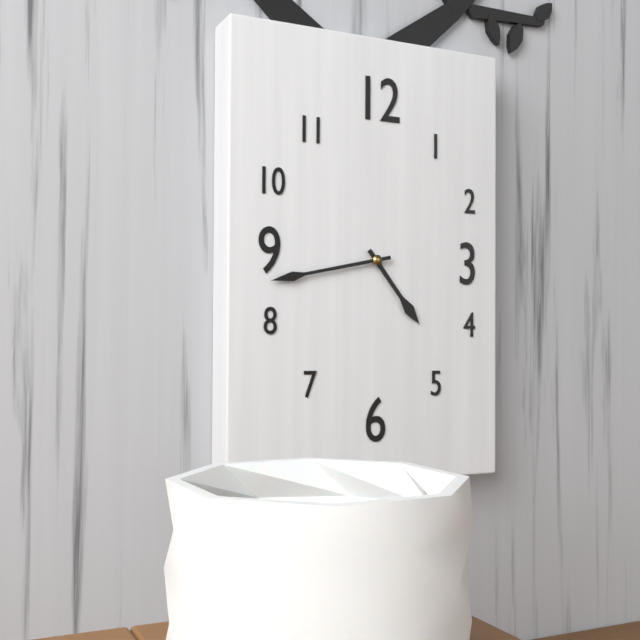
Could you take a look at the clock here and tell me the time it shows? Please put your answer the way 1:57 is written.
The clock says 4:43
